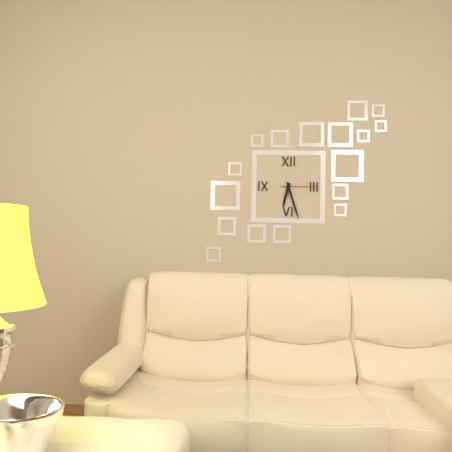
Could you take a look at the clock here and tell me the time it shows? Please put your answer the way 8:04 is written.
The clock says 6:27
